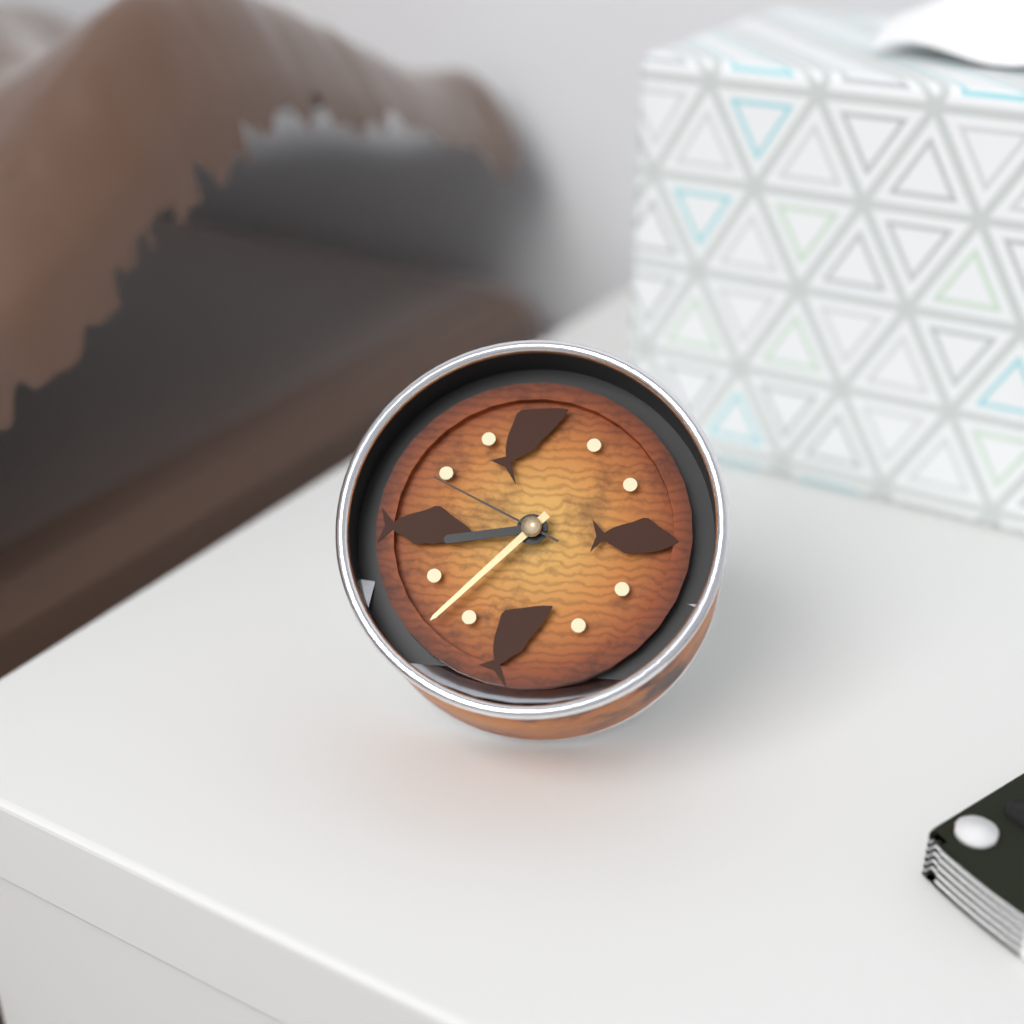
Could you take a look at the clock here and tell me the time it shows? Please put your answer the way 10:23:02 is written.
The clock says 8:37:49
